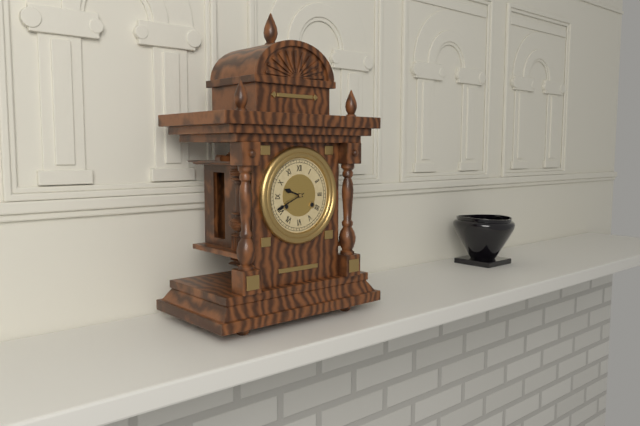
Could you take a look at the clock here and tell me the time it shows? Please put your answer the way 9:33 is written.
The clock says 9:41
